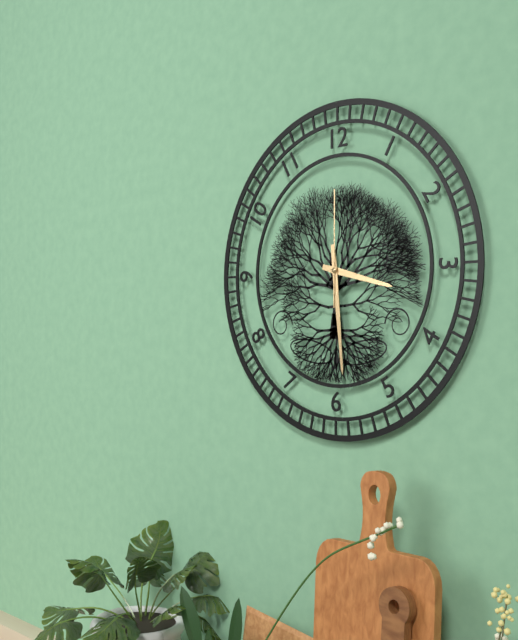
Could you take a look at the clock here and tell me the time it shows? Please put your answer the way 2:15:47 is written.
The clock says 3:29:00
